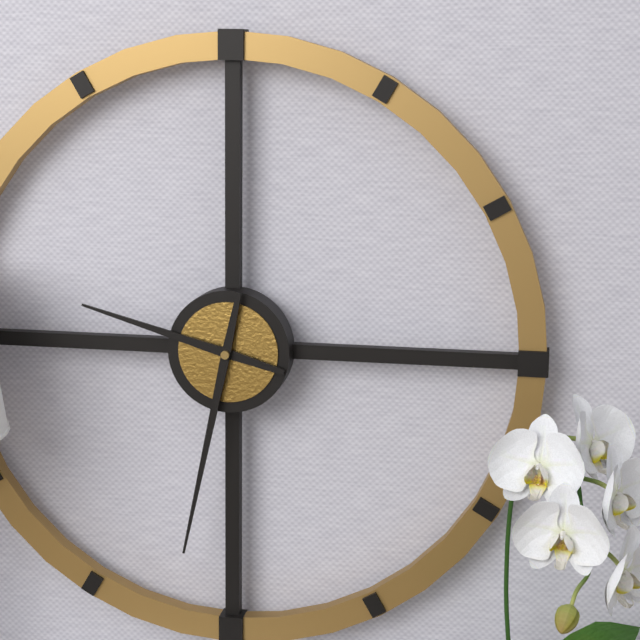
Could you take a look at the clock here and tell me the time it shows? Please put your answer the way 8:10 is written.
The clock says 9:32
